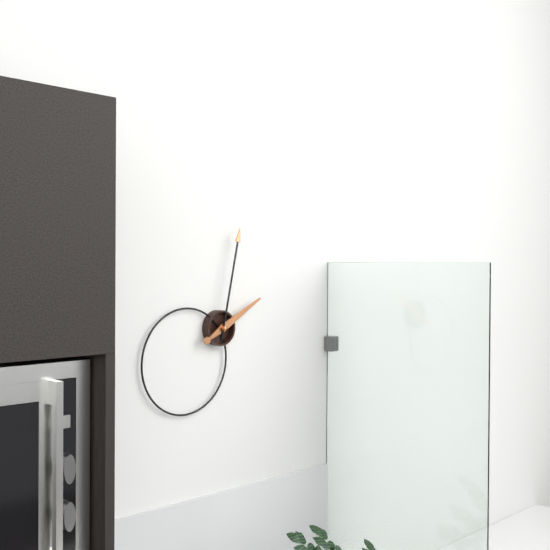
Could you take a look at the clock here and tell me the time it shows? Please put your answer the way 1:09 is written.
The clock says 2:02
